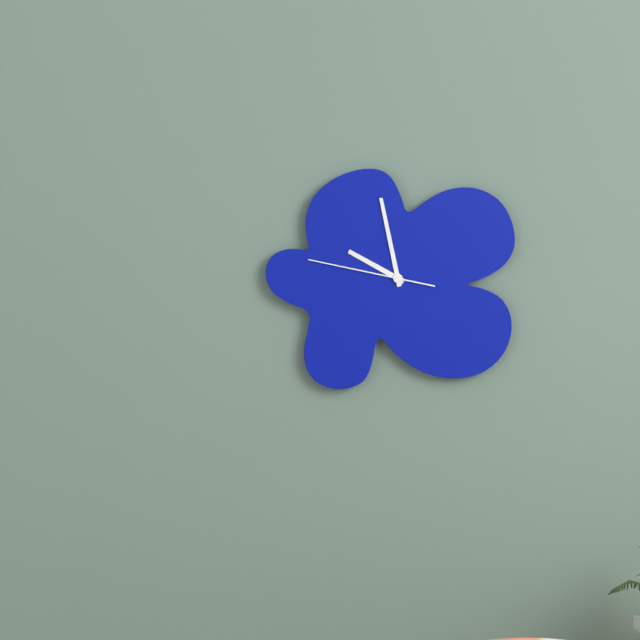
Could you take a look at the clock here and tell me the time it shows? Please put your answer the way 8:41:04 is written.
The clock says 9:58:47
